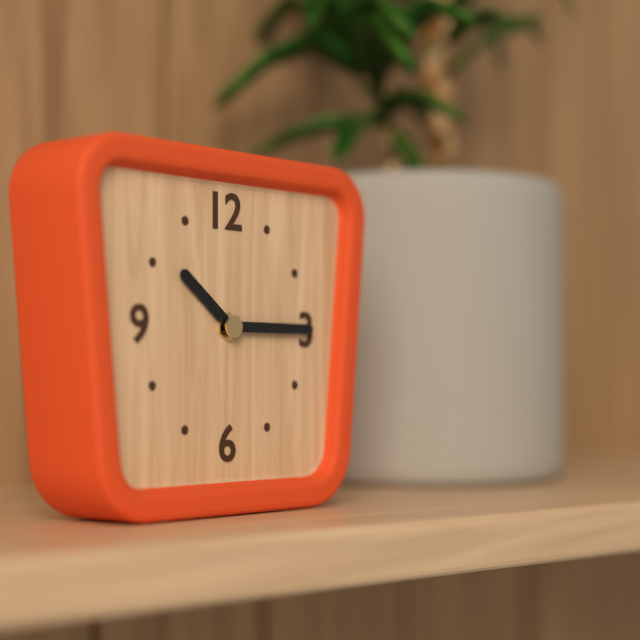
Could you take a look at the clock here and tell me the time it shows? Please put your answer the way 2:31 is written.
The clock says 10:15
